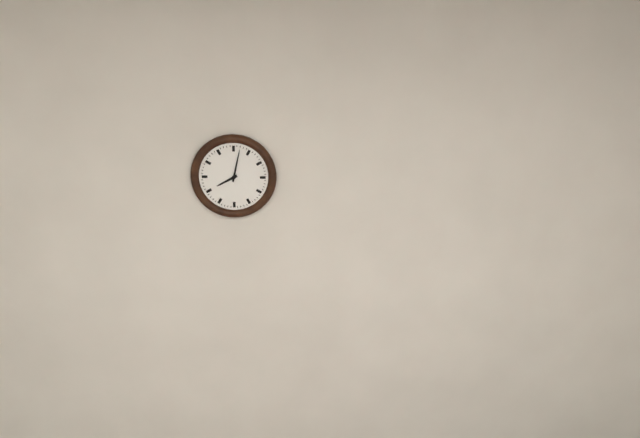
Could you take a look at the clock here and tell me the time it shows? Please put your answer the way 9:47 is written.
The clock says 8:02
